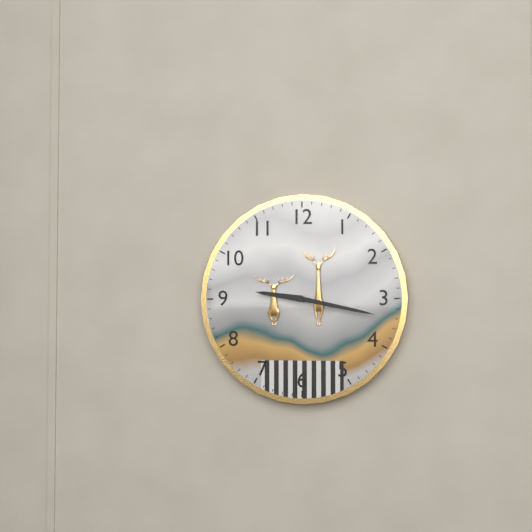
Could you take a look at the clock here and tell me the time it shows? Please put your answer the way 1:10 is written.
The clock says 9:17
